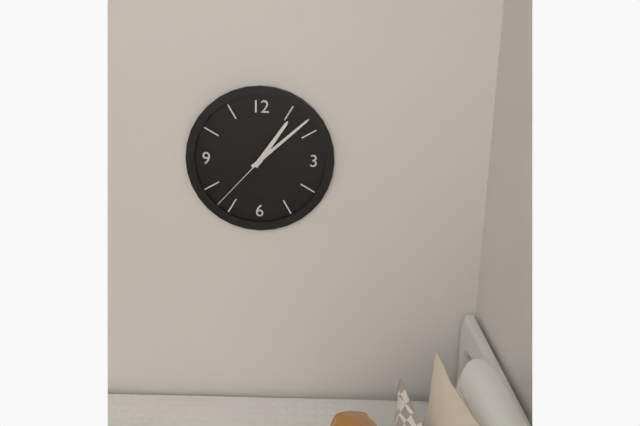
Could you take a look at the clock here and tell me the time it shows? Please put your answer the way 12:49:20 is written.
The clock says 1:08:37
